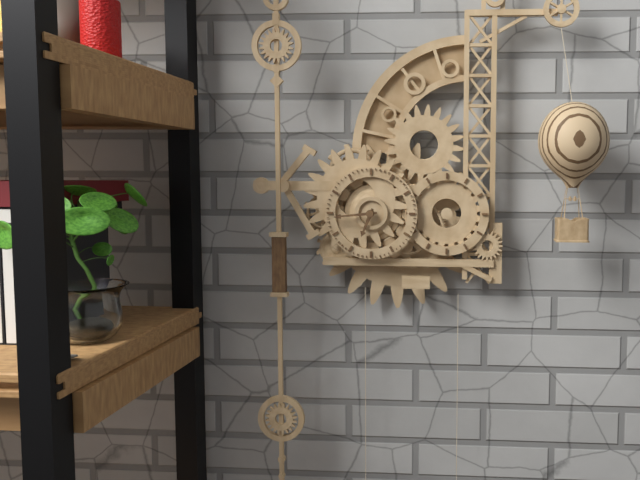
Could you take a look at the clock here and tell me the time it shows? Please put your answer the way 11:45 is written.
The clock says 6:44
